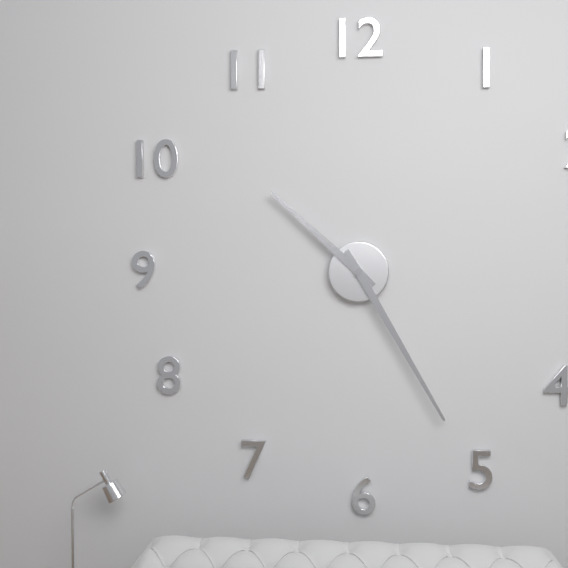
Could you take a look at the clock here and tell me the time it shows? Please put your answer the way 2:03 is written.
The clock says 10:25
